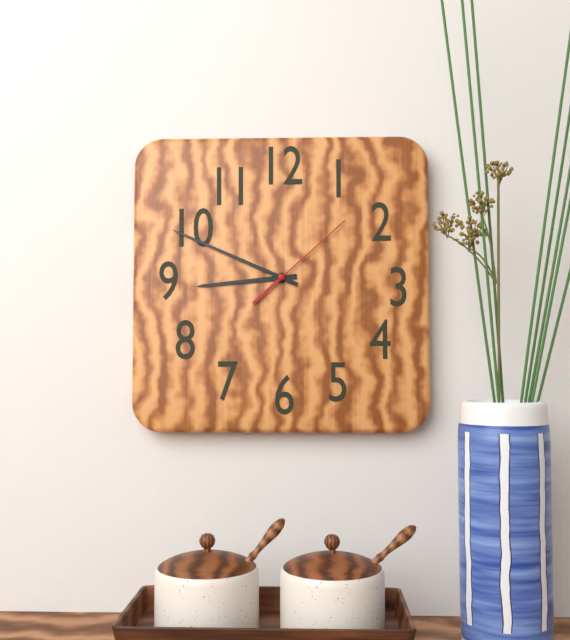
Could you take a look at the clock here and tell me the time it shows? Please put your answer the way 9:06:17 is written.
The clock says 8:49:08
